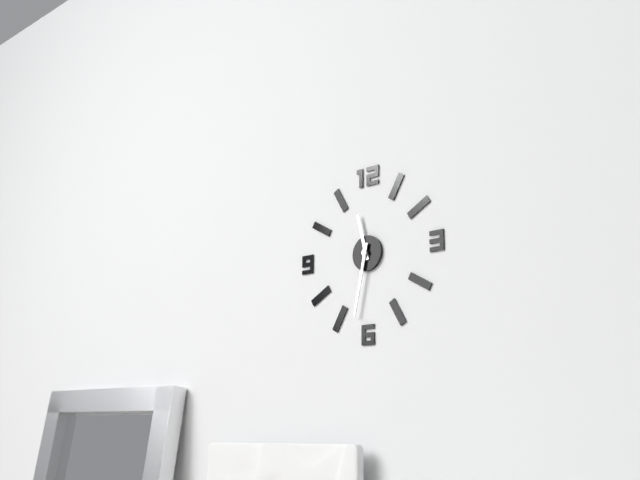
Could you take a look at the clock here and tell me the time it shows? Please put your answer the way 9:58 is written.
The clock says 11:32
